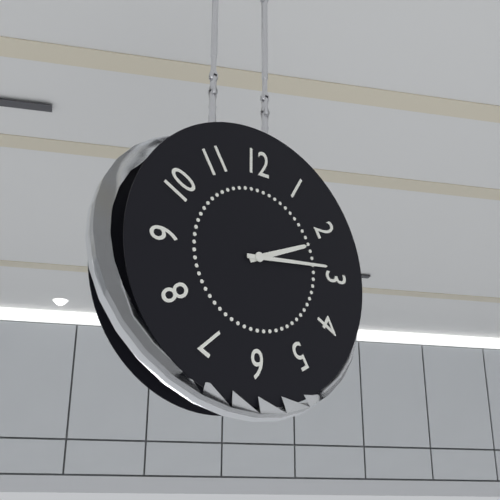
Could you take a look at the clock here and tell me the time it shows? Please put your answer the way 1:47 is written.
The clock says 2:14
